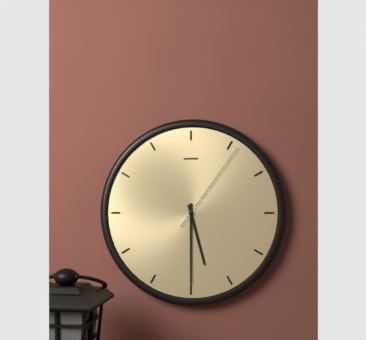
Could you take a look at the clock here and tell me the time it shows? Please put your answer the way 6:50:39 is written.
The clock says 5:30:06
